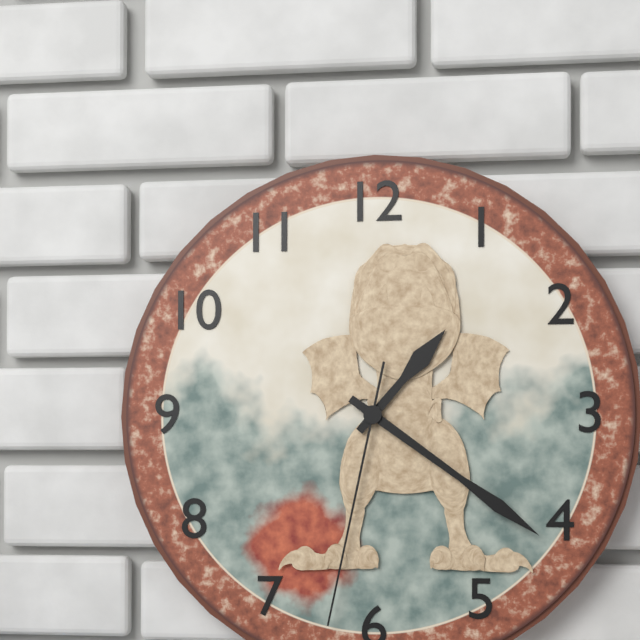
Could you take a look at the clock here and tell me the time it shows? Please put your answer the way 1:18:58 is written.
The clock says 1:21:32
